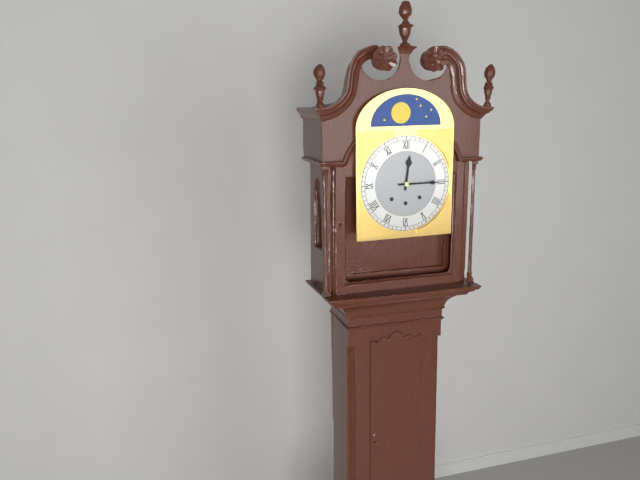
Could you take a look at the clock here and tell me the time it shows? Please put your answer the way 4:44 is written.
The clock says 12:15
